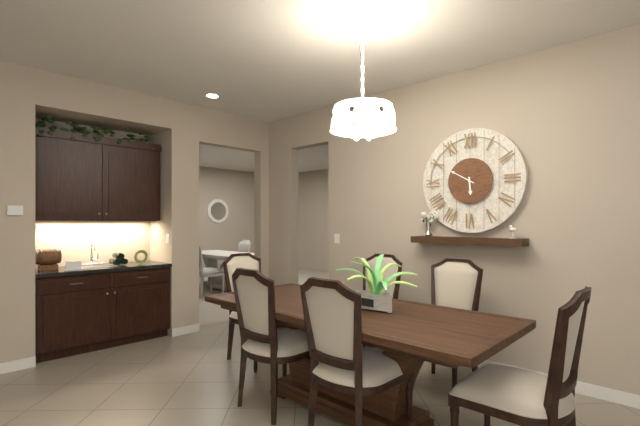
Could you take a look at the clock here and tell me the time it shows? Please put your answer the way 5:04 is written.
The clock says 5:50
